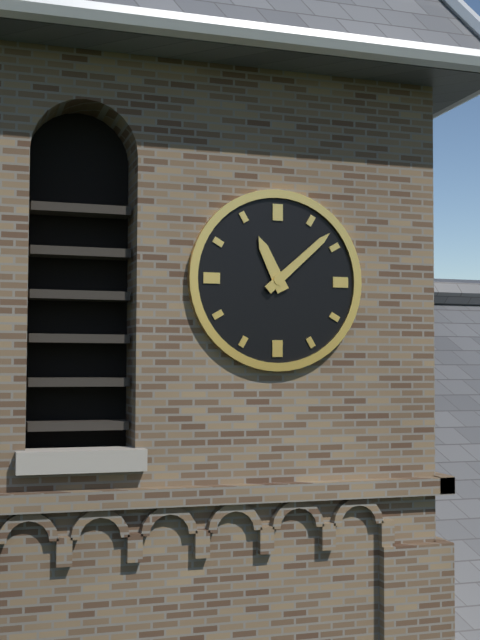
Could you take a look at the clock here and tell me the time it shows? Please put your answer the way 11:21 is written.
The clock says 11:08
